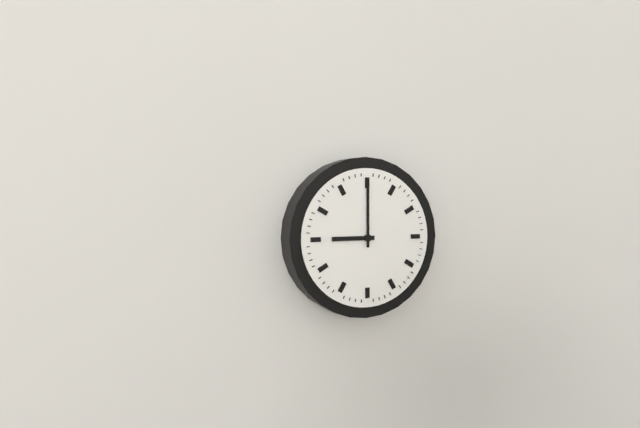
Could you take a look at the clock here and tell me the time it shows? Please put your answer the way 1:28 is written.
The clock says 9:00
